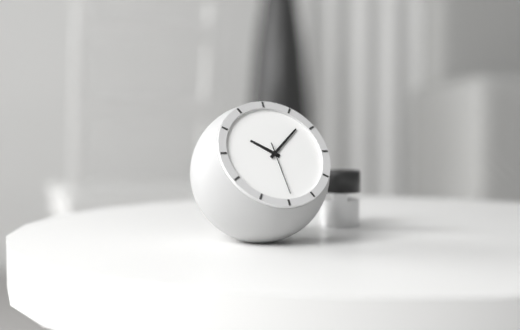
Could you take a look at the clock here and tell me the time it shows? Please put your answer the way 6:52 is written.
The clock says 10:08
